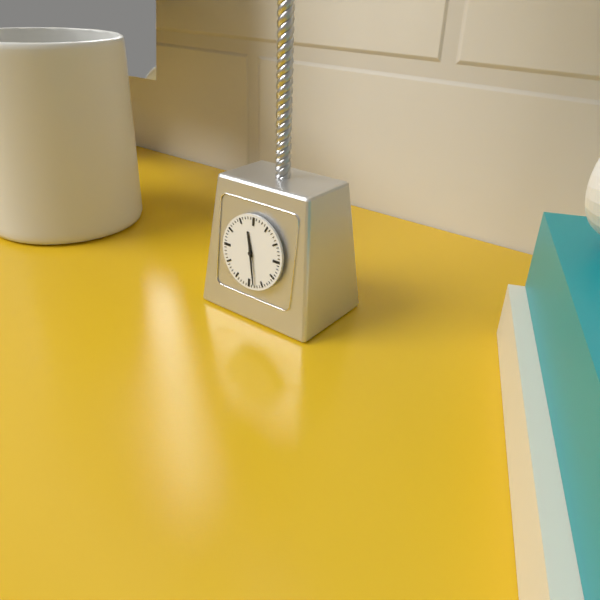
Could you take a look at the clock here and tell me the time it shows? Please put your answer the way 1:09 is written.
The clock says 11:28
